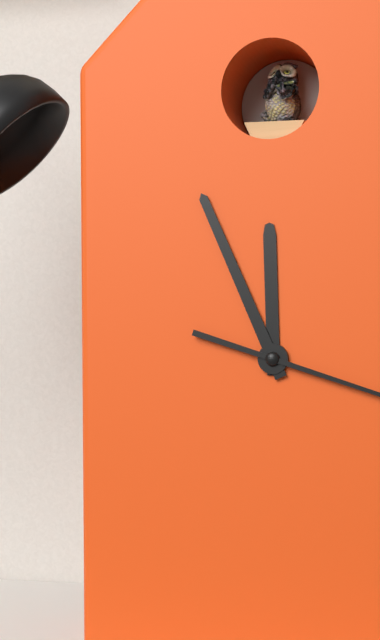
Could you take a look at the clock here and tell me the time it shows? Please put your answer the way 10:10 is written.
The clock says 11:56
